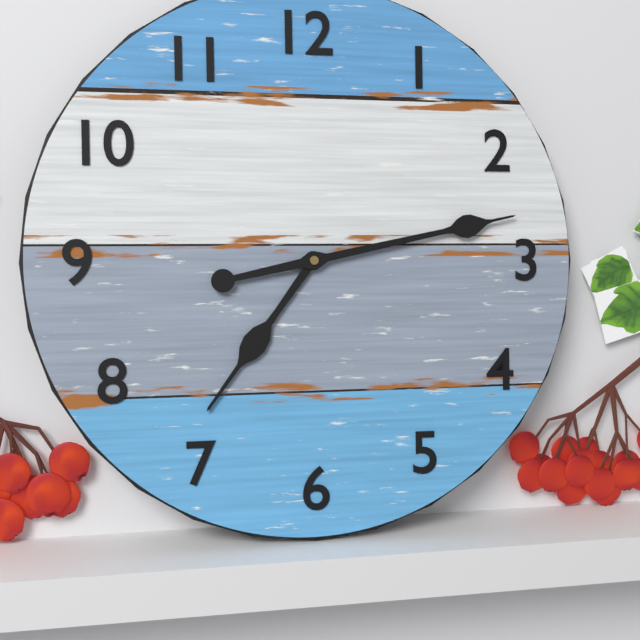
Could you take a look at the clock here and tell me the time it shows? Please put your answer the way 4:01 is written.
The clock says 7:13
